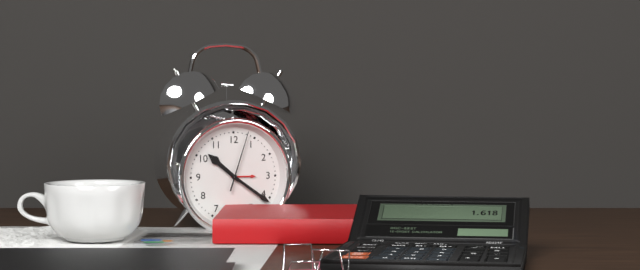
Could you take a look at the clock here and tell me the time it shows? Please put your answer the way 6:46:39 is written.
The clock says 10:21:03
